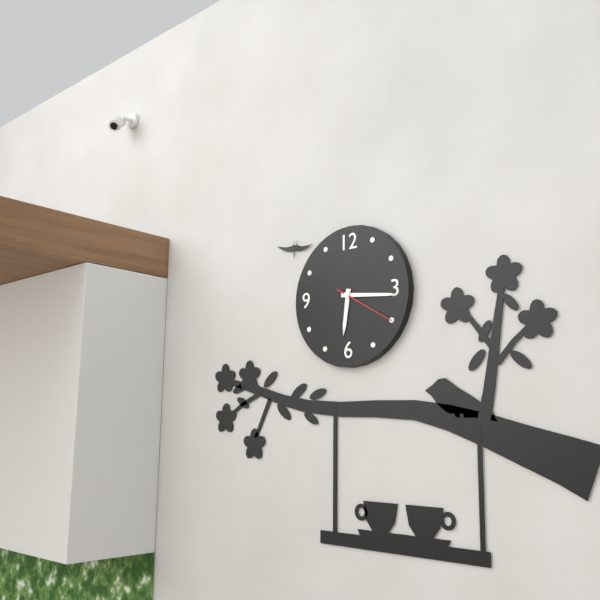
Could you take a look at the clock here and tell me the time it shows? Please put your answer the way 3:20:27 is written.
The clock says 6:16:20
